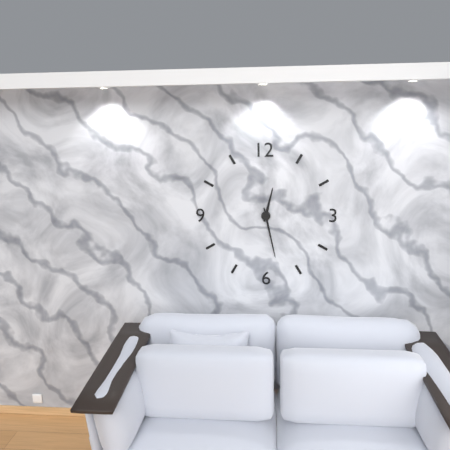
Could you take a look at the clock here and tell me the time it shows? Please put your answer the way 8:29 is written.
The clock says 12:28
